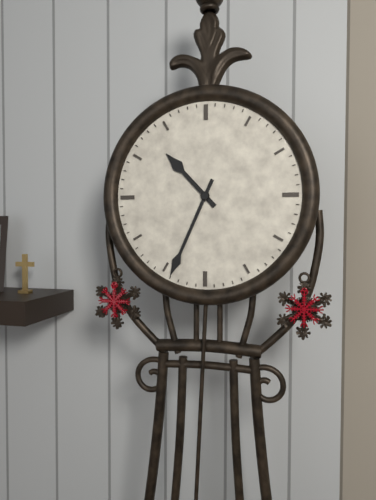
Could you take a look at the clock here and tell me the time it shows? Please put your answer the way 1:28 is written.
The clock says 10:34
